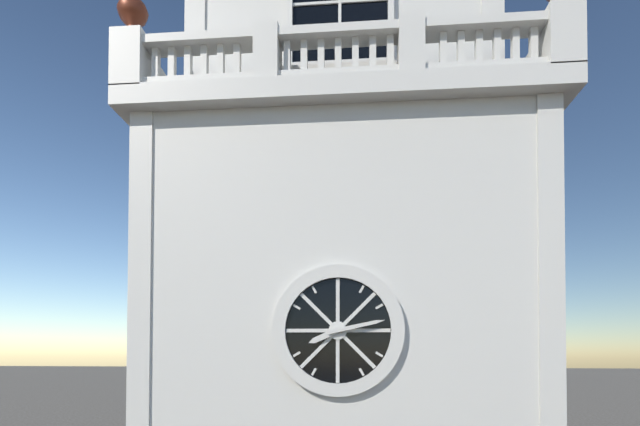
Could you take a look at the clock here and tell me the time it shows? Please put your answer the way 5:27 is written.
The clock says 8:13
